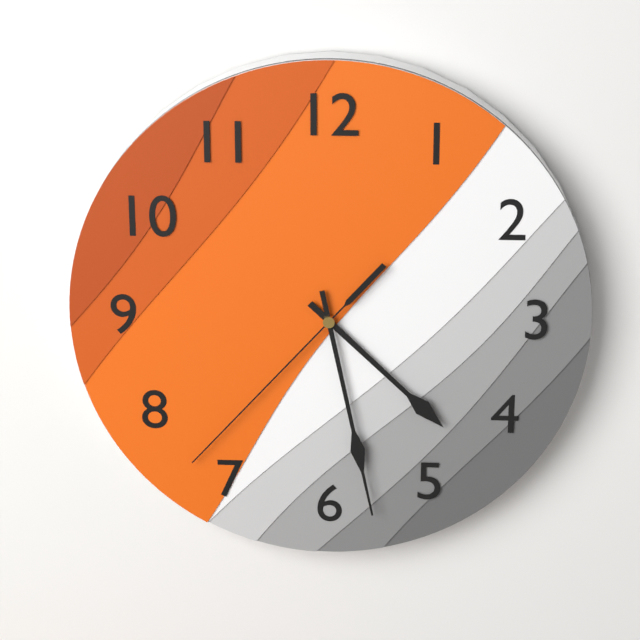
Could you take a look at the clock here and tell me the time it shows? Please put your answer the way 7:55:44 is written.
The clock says 4:28:37
